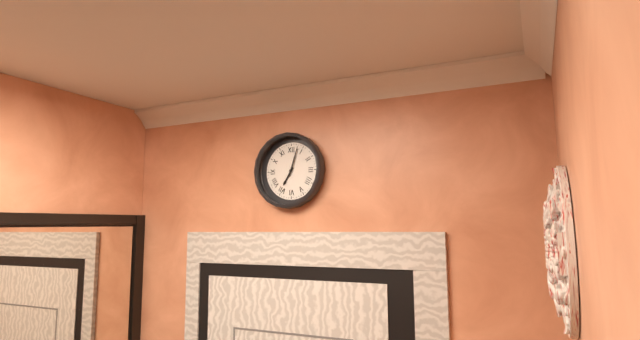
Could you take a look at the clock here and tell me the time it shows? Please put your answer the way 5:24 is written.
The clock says 7:03
